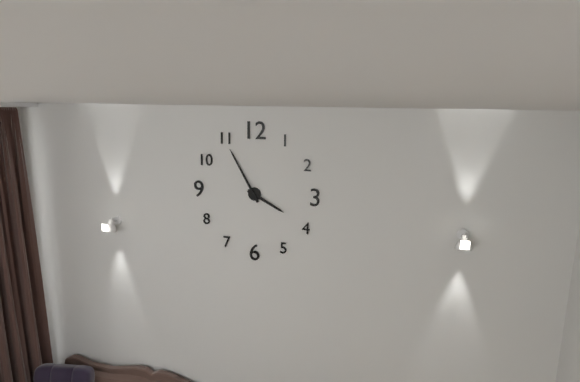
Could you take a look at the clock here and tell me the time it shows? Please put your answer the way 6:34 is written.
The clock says 3:55
